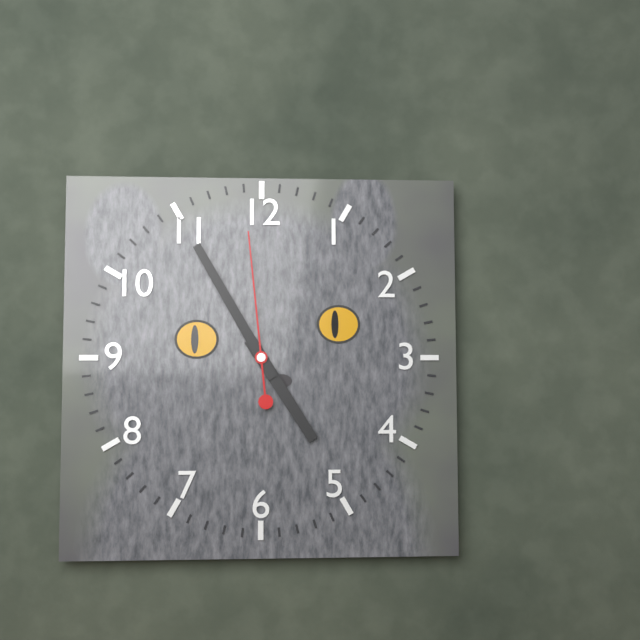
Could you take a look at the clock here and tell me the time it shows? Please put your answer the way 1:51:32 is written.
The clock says 4:55:59
